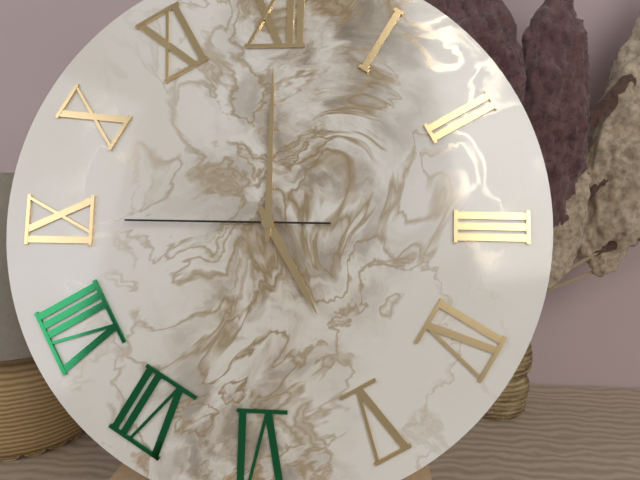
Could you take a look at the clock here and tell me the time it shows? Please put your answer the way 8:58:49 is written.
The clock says 5:00:45
